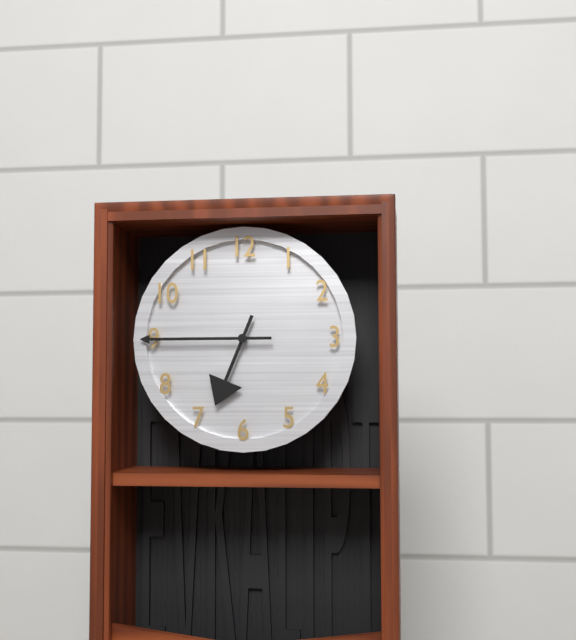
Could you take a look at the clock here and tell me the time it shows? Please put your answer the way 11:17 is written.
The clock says 6:45
